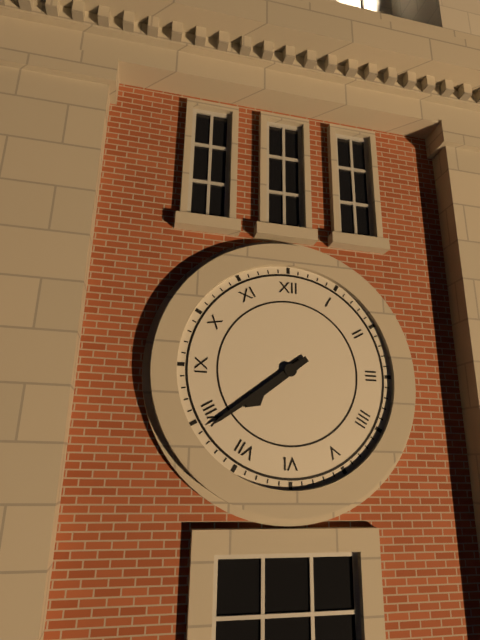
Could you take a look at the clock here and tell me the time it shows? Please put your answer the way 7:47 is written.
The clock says 7:39
